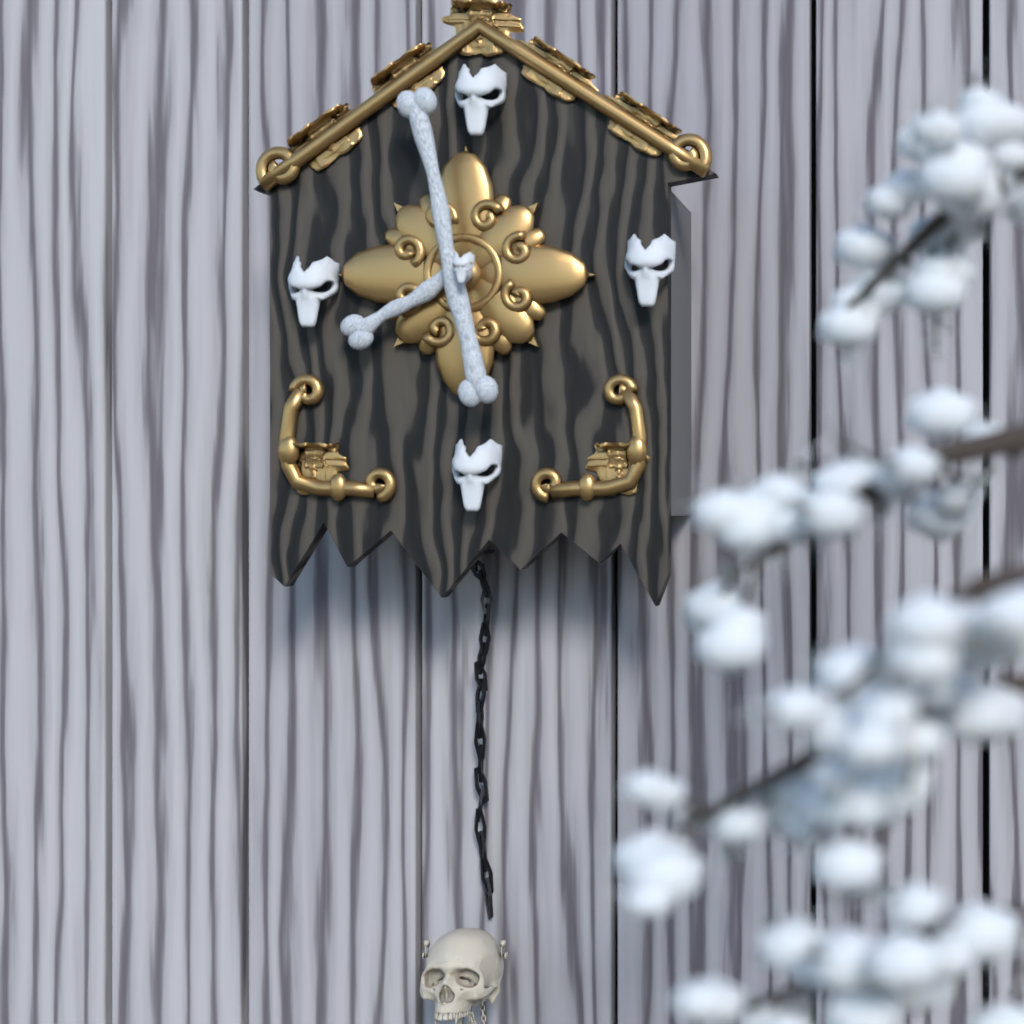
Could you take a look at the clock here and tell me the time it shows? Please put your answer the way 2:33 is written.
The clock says 7:58
